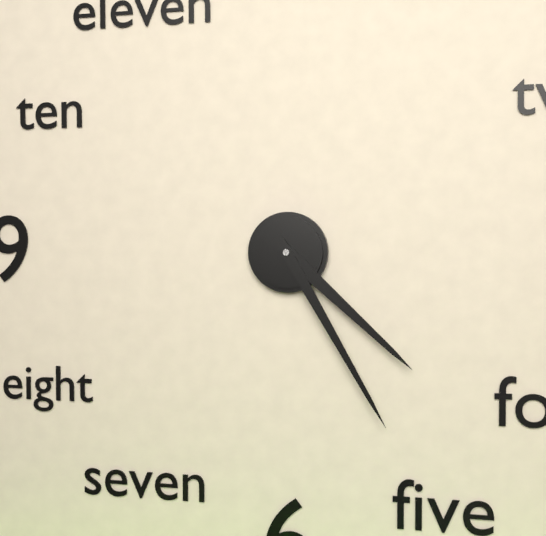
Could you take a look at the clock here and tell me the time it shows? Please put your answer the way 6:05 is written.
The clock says 4:25
